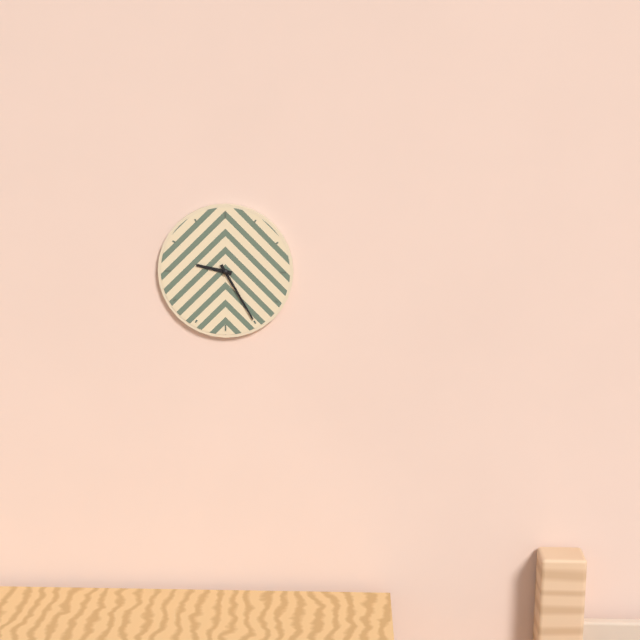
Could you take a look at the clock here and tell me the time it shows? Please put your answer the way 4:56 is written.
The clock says 9:25
